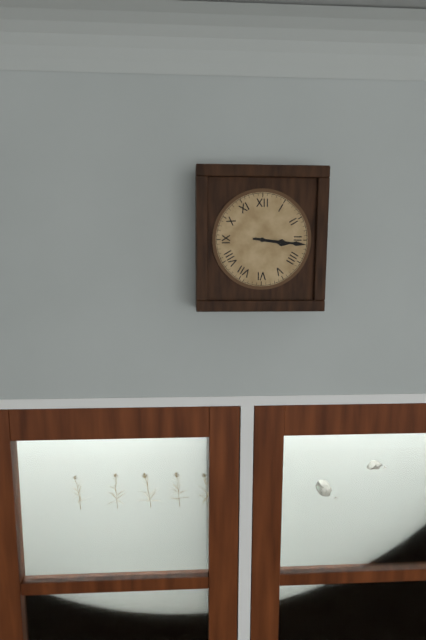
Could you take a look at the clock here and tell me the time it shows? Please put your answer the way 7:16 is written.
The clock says 3:16
